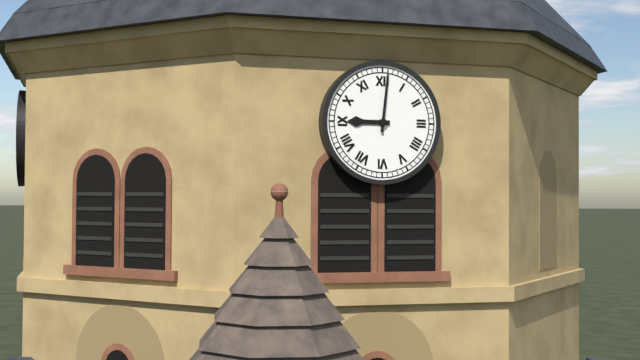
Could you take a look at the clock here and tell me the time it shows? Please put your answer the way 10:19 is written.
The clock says 9:01
